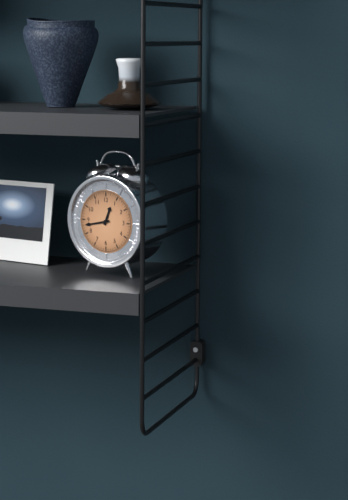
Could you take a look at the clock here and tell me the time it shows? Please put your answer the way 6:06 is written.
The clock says 12:43
